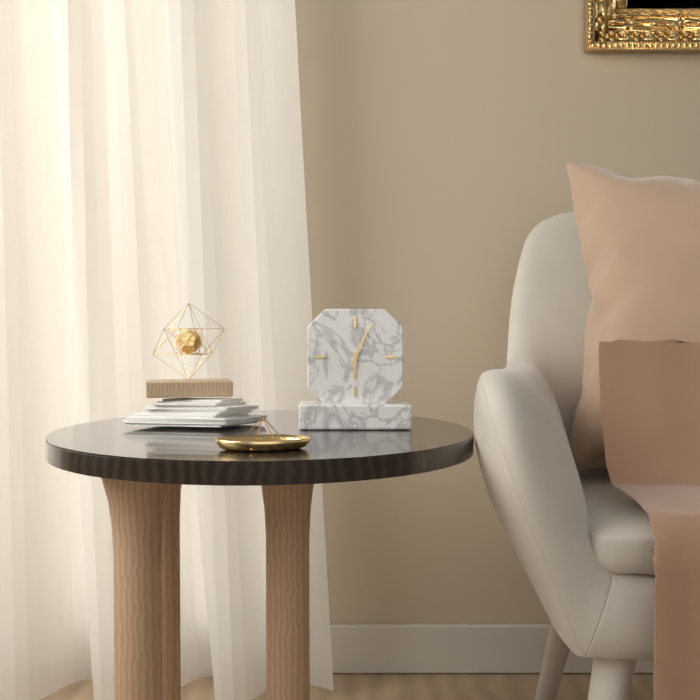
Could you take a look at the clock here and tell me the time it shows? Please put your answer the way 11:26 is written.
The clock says 6:04
